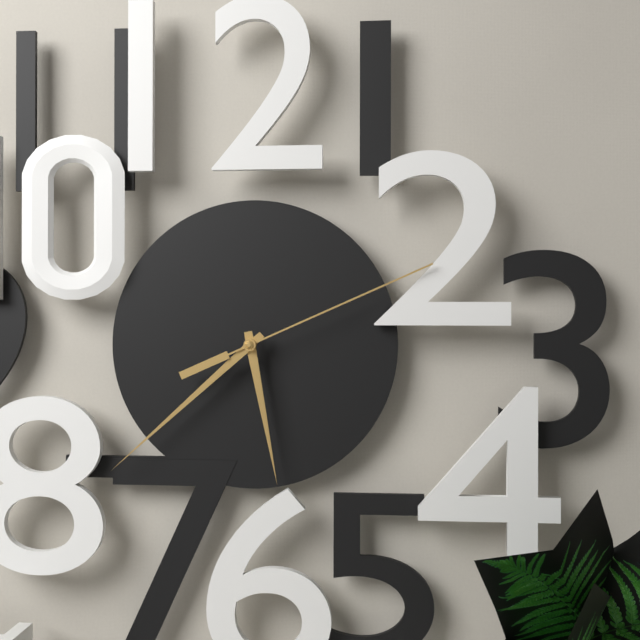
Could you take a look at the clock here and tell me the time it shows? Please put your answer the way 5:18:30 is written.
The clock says 5:38:11
